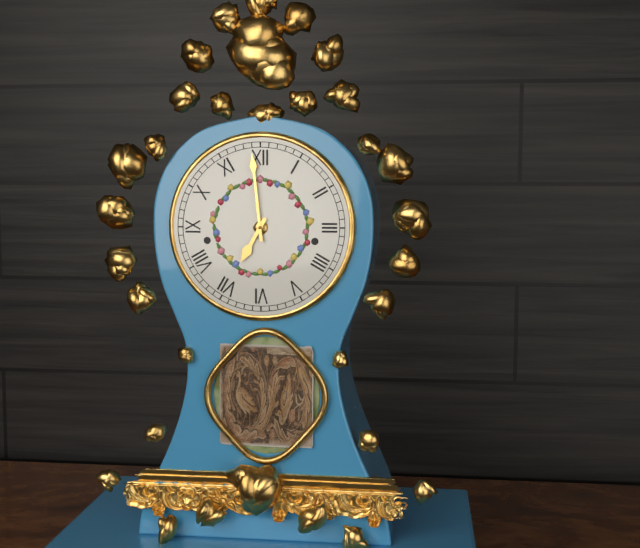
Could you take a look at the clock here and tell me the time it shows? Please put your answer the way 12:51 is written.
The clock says 6:59
